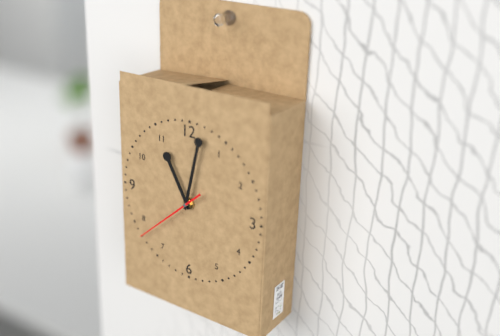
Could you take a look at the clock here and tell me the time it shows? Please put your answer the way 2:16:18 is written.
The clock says 11:02:38
